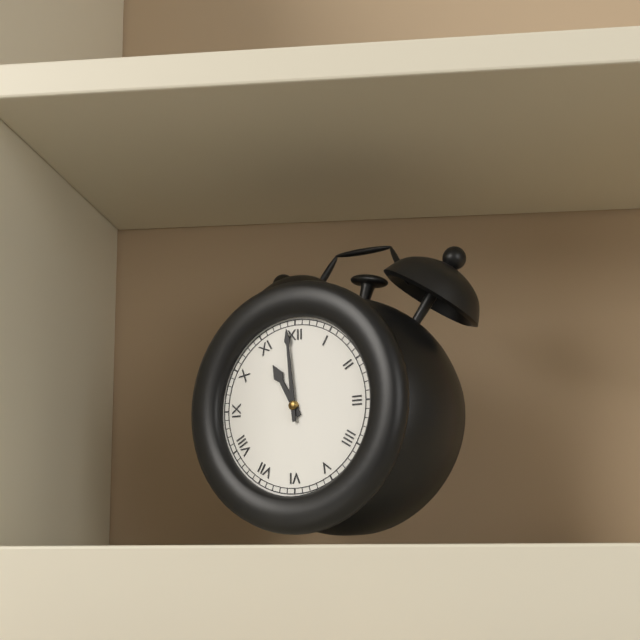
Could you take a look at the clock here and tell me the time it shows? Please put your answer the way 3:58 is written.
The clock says 10:59
